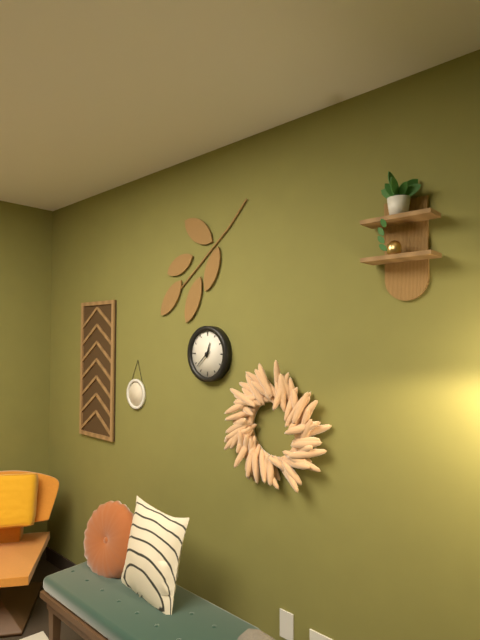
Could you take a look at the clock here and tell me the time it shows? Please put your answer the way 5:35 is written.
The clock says 12:38
